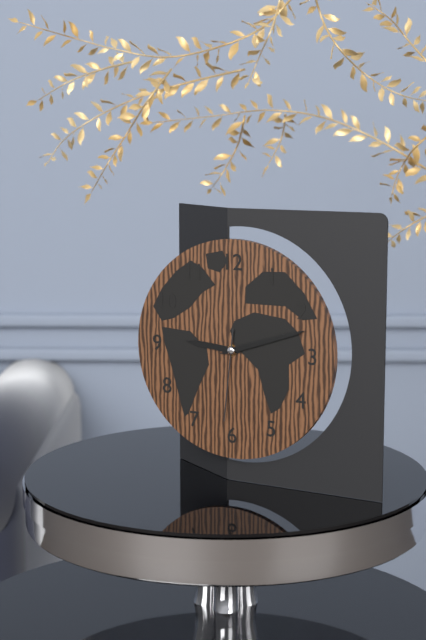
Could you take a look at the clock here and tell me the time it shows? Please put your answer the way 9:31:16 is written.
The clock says 9:12:31
